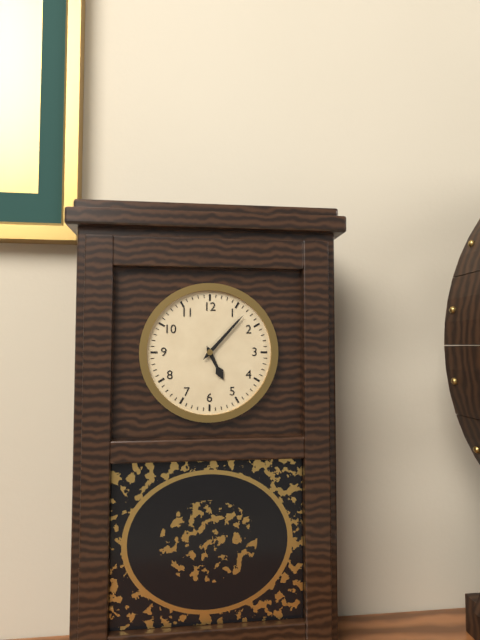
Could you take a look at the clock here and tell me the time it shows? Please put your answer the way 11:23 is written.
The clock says 5:07
